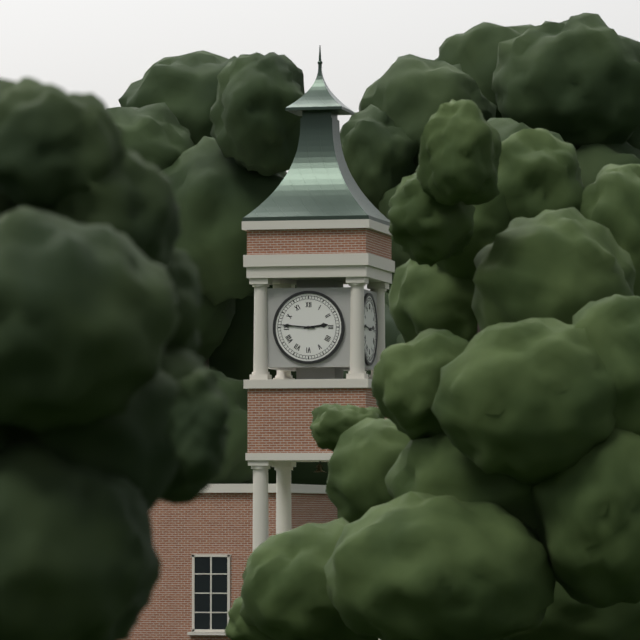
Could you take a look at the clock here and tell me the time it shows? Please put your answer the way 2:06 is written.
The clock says 2:46
